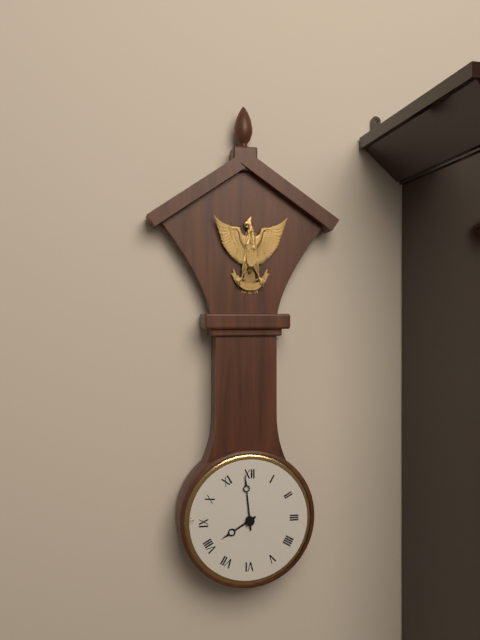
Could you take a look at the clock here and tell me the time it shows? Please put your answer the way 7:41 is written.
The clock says 7:59
